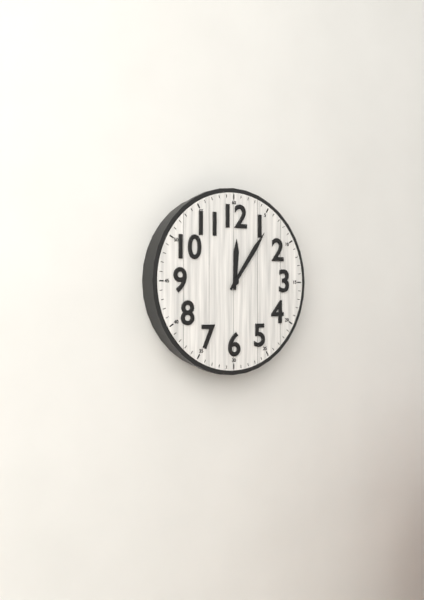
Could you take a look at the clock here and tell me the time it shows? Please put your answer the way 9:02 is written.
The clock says 12:06
